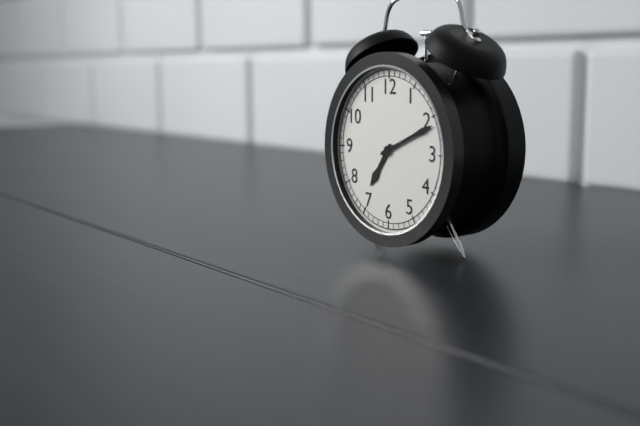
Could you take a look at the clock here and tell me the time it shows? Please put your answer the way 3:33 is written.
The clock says 7:11
